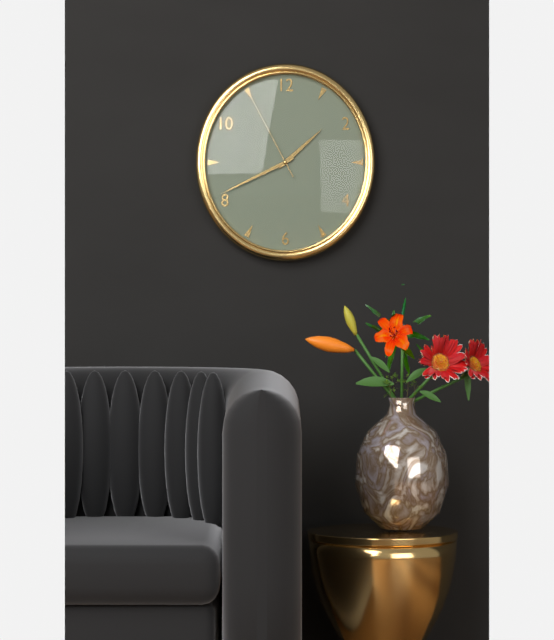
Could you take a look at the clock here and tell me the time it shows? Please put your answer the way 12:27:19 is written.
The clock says 1:41:55
